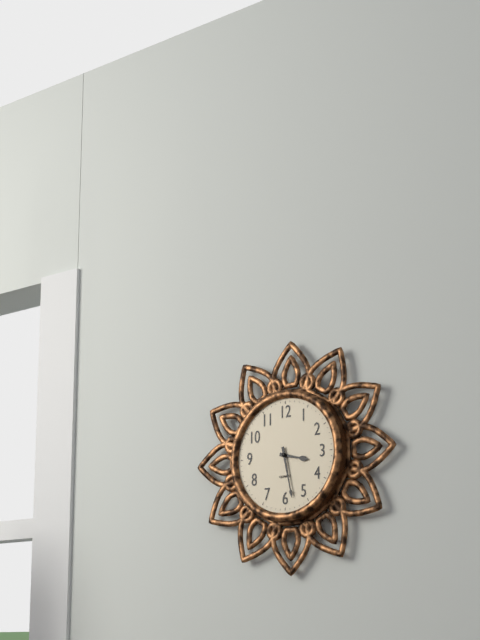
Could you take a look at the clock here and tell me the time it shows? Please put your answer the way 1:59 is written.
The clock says 3:28
